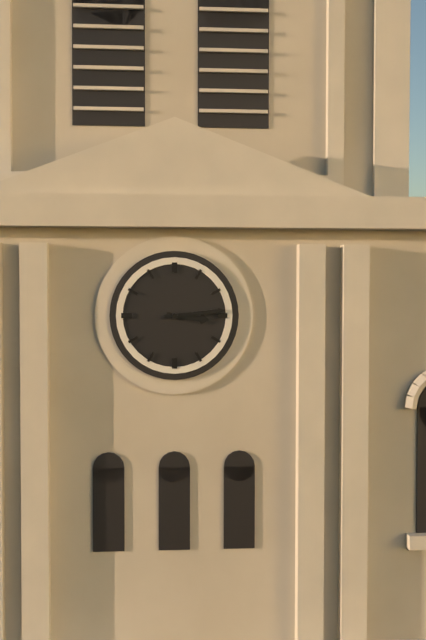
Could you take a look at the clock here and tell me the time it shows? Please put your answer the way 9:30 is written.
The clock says 3:14
